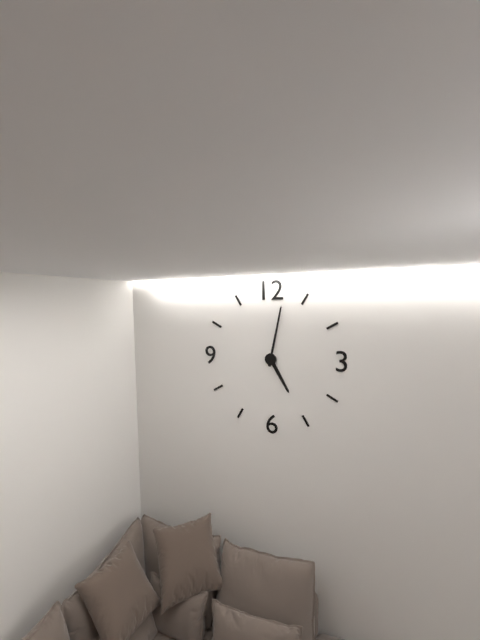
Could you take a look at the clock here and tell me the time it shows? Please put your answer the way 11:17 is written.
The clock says 5:02
